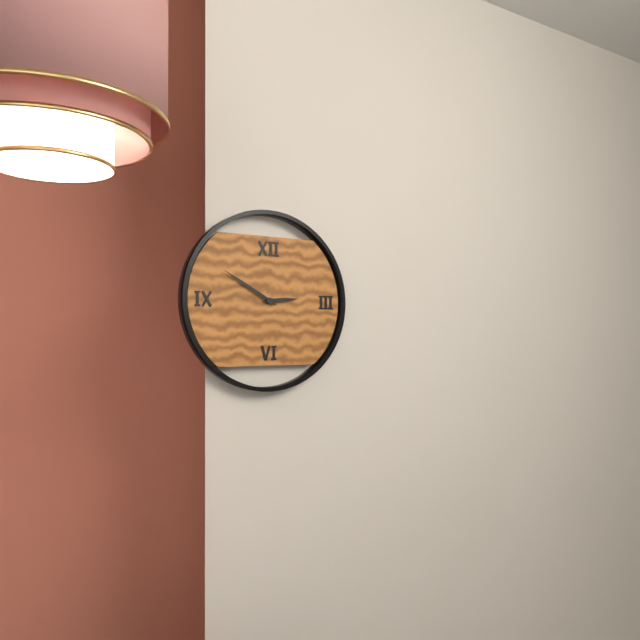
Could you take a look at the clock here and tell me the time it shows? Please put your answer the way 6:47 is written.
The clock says 2:50
